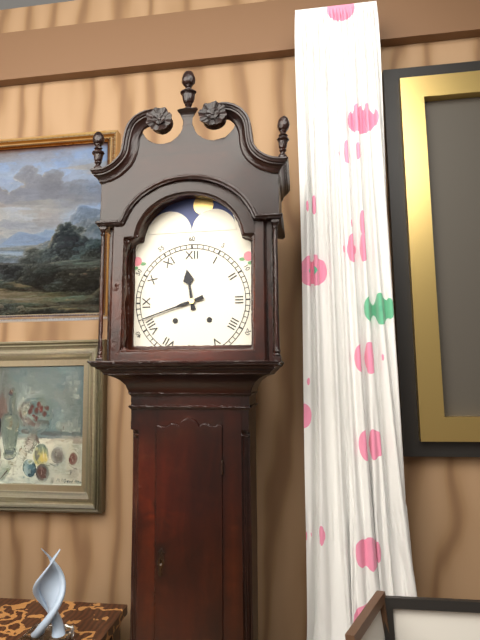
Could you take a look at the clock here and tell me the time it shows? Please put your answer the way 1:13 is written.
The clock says 11:42
